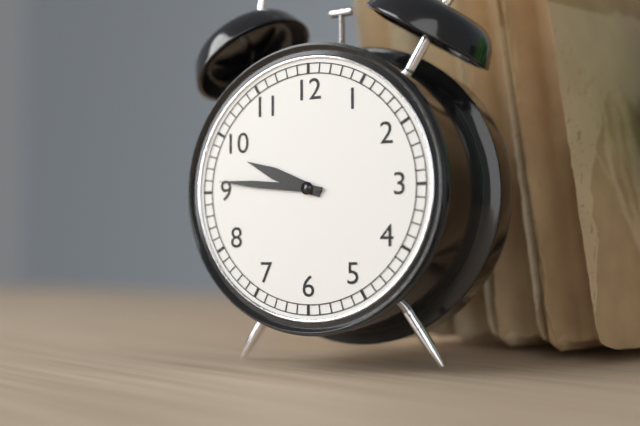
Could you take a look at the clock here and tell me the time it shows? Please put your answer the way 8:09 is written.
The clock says 9:46
